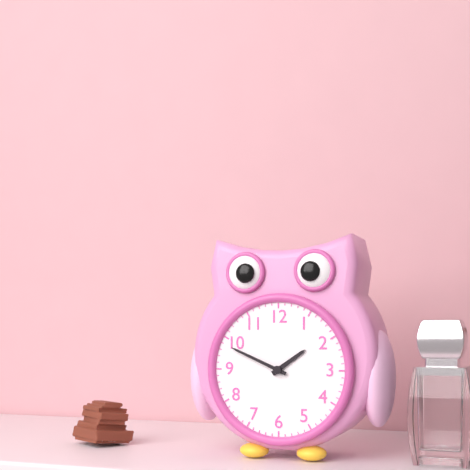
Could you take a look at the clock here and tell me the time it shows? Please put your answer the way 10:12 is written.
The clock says 1:49
